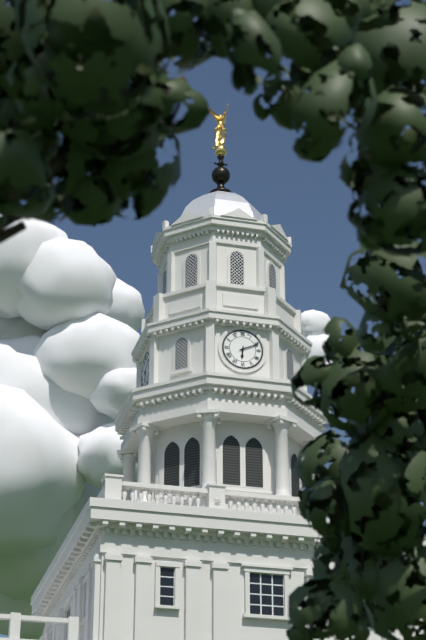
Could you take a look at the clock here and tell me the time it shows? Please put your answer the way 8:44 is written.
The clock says 6:11
